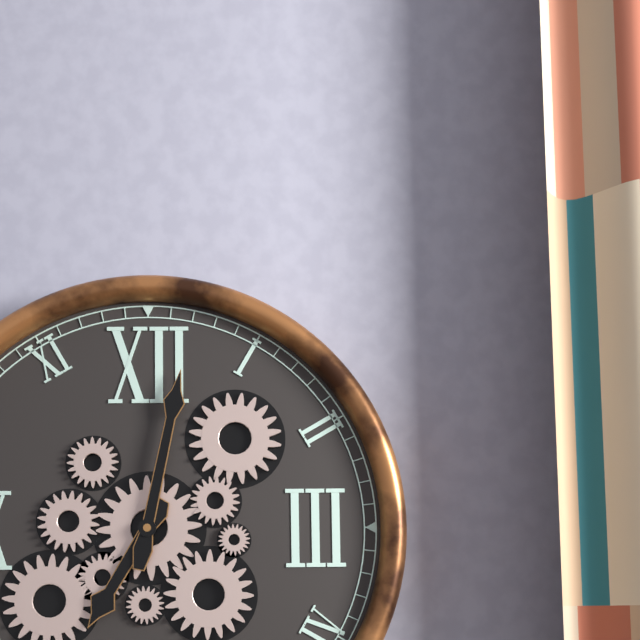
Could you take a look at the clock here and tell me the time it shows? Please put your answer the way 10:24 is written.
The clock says 7:02
